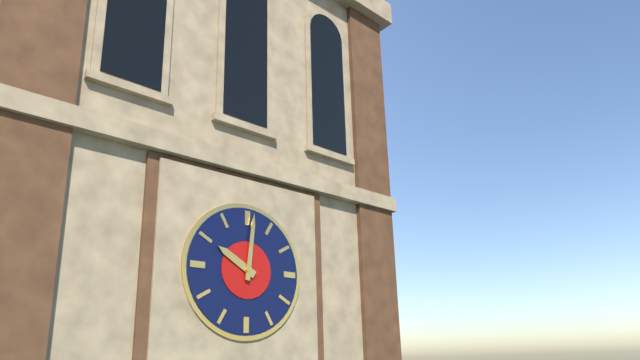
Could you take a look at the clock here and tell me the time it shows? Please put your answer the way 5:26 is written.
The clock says 10:01
